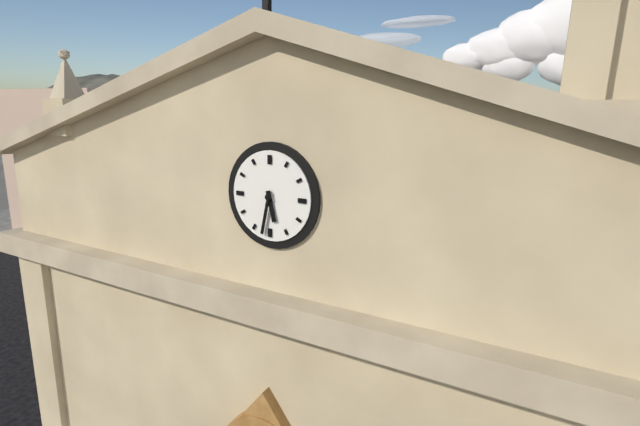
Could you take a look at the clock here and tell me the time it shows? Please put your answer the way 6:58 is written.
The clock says 5:32
